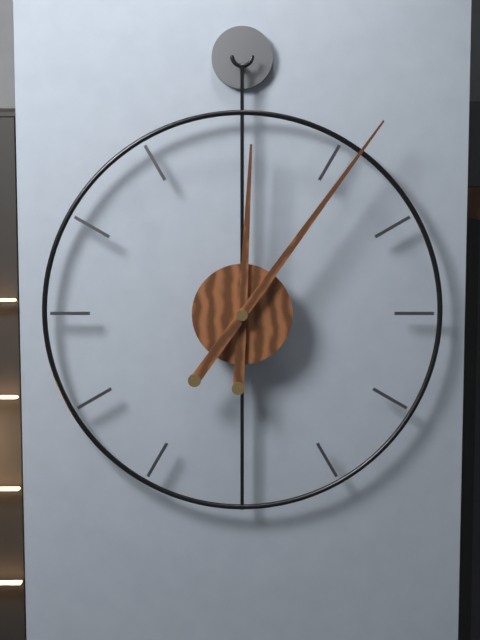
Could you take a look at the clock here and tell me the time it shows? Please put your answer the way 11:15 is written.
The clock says 12:06
